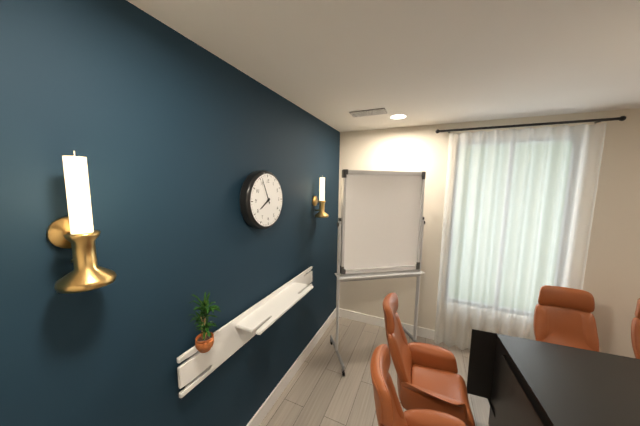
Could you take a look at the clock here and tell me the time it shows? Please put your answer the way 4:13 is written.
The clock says 7:56
